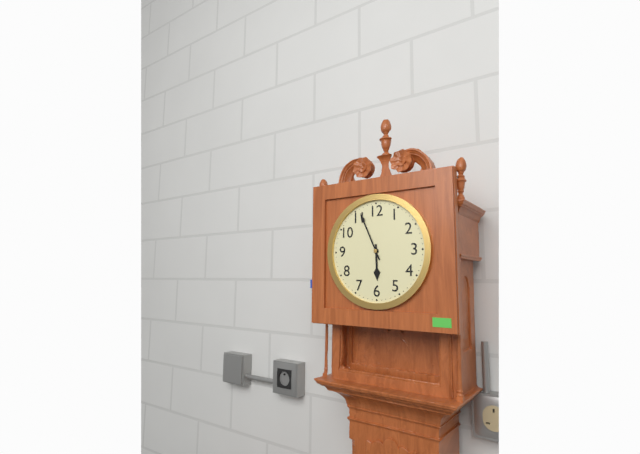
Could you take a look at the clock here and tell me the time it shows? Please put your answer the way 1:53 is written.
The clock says 5:56
